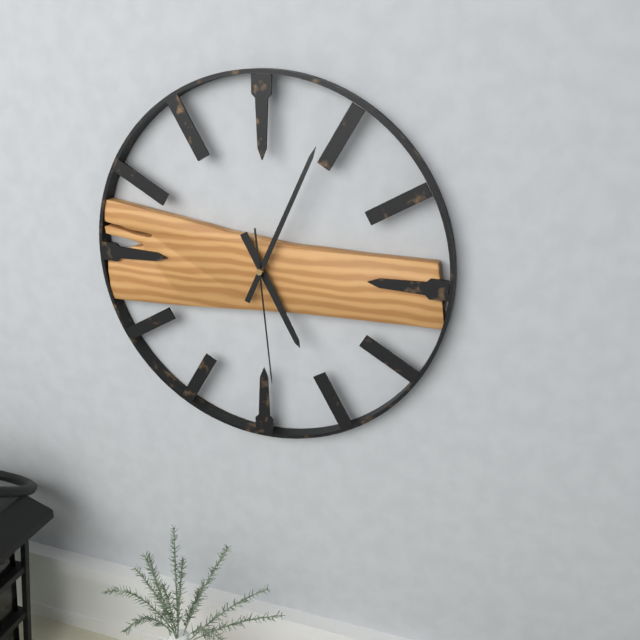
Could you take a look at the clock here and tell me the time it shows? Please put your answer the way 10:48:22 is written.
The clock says 5:04:29
